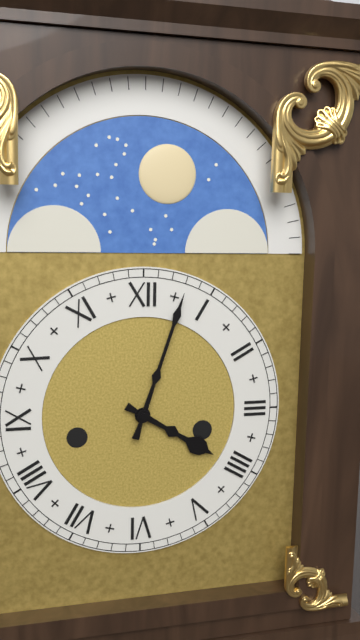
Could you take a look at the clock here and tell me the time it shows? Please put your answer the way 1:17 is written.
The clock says 4:03
